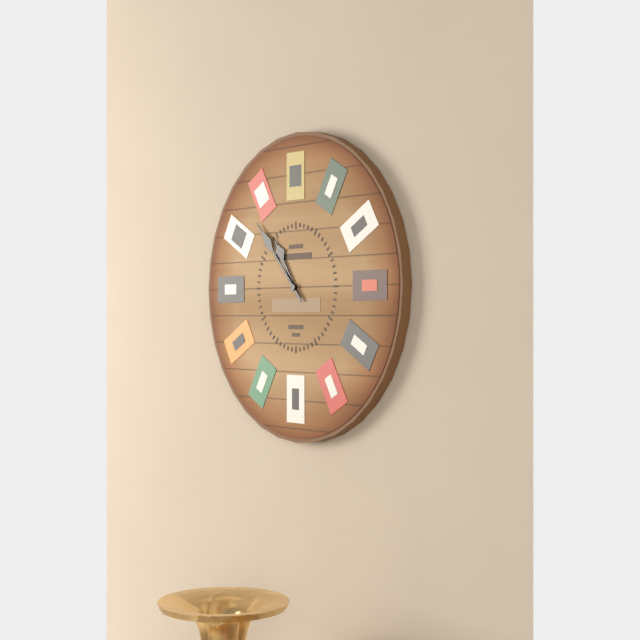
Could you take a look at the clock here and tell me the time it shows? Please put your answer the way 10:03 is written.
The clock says 10:53
